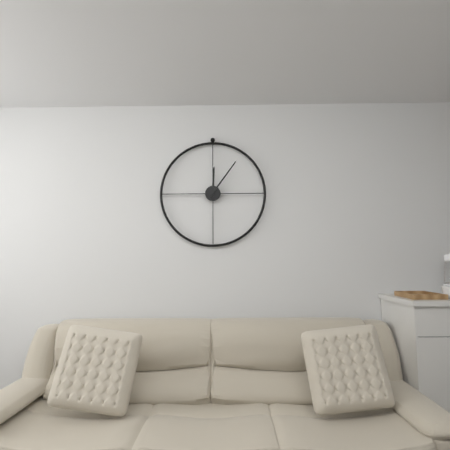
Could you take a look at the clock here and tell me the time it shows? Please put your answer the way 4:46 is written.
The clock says 12:06
